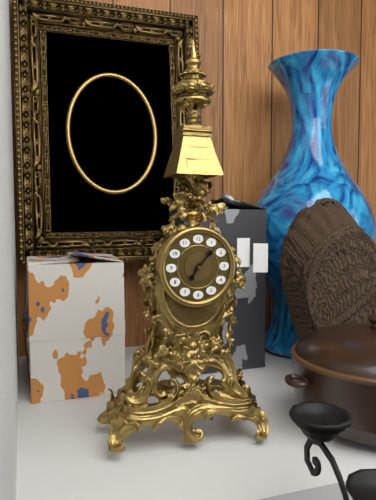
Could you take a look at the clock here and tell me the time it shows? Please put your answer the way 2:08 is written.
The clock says 7:07
